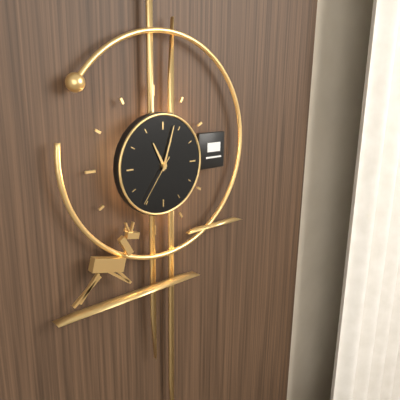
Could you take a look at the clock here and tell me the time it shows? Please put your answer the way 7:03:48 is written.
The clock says 11:03:36
